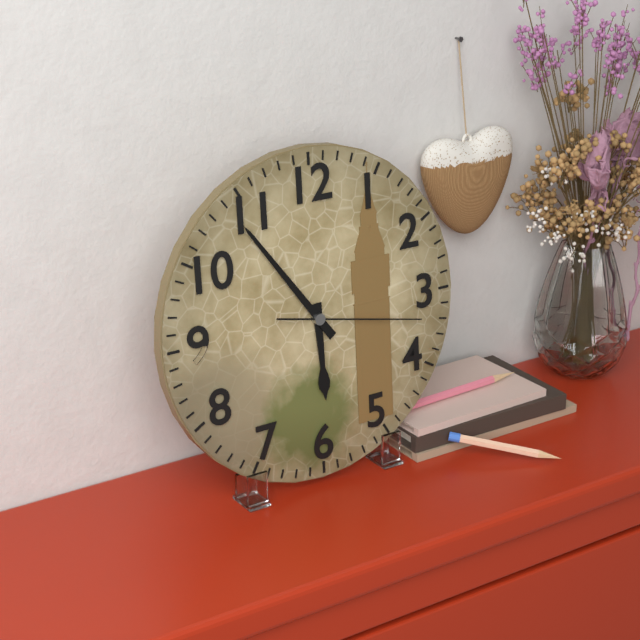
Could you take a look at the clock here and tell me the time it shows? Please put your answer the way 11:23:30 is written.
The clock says 5:54:17
